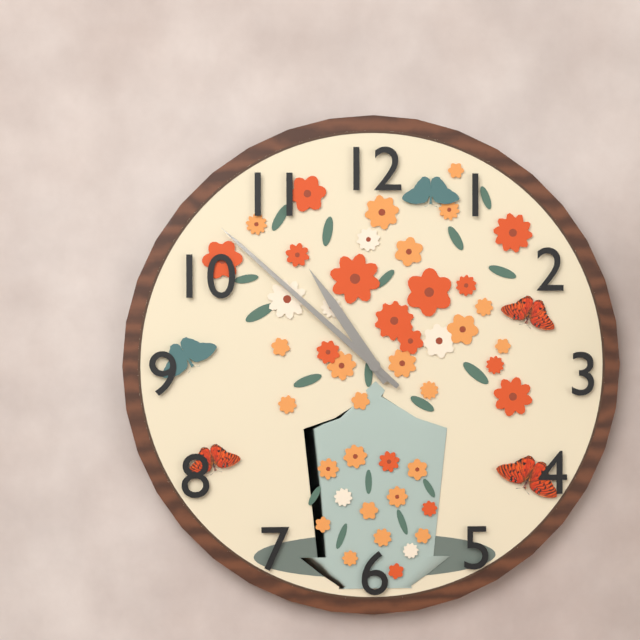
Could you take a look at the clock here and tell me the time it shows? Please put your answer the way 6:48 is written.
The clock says 10:52
